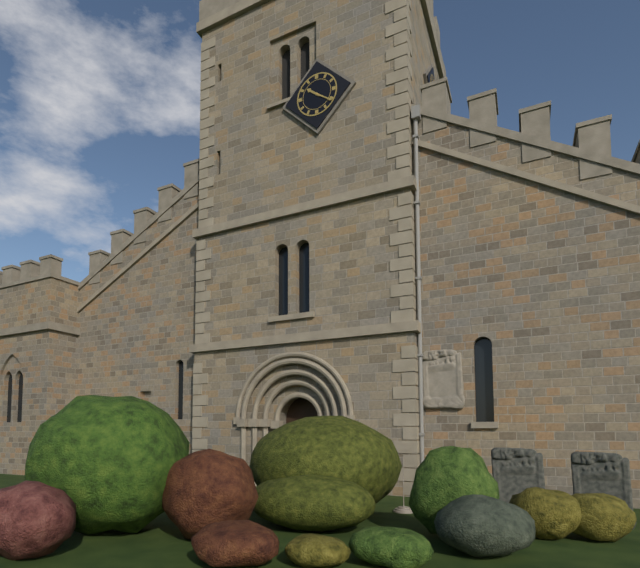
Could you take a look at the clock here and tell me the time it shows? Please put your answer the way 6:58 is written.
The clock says 10:21
